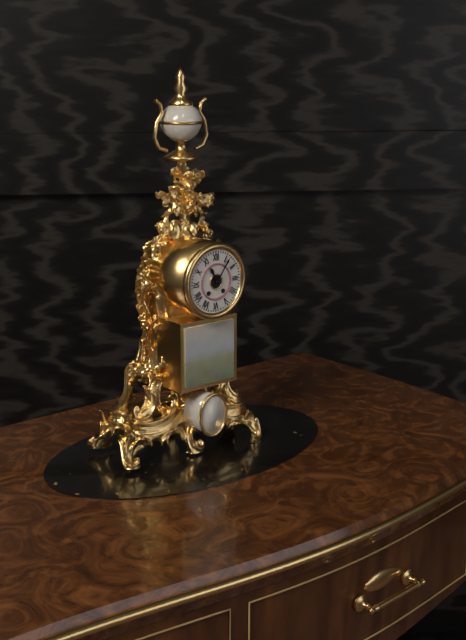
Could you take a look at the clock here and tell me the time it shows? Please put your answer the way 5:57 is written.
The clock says 11:06
